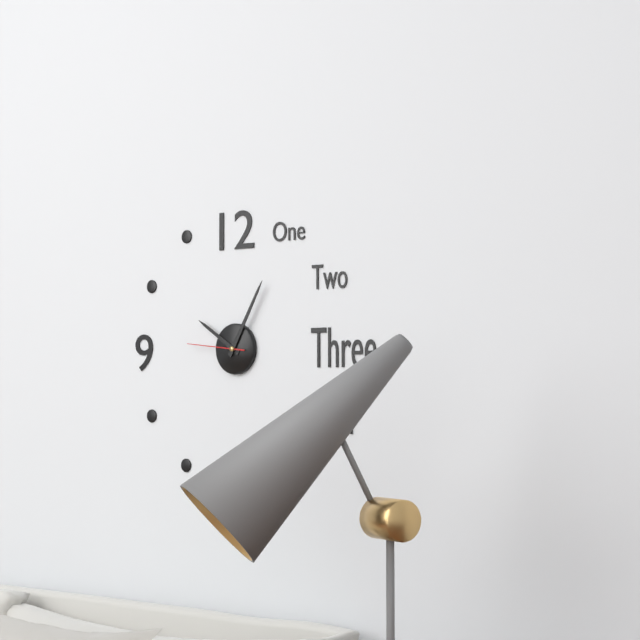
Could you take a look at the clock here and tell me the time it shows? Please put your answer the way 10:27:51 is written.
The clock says 10:05:46
